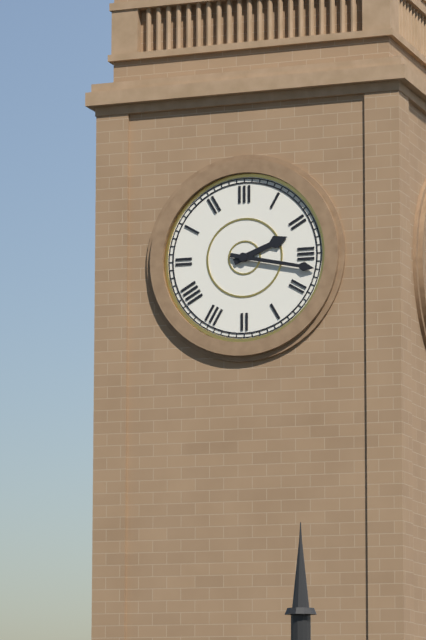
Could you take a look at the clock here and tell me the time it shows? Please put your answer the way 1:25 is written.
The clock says 2:17
